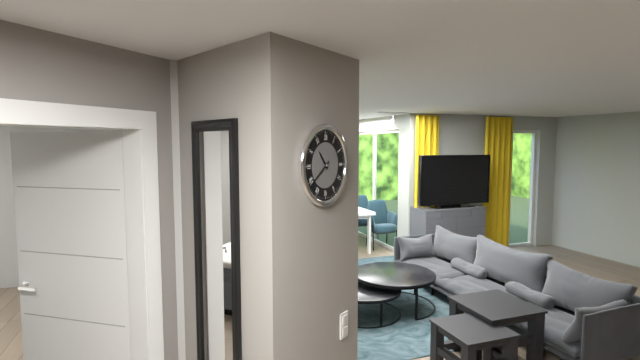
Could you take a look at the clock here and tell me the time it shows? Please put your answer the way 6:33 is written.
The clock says 10:39
